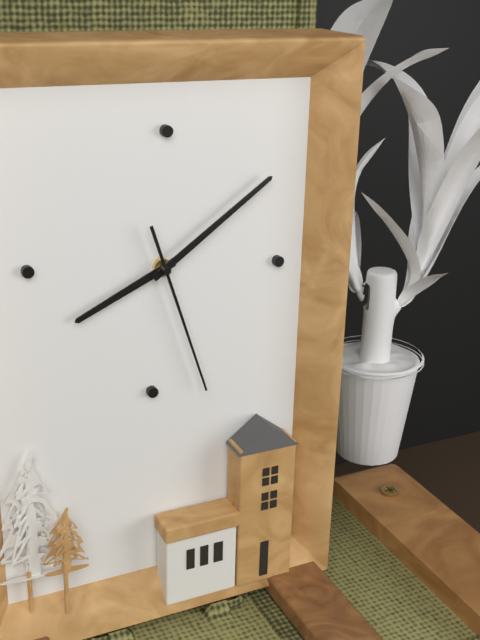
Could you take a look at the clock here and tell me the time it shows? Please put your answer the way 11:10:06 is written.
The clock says 8:09:27
